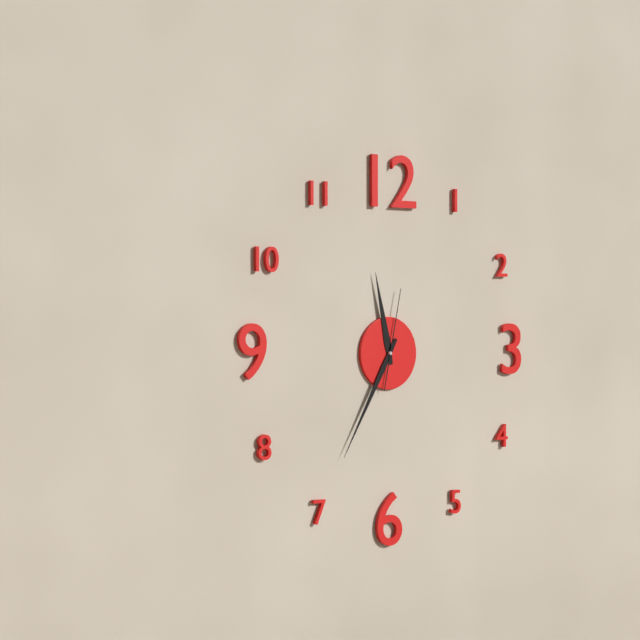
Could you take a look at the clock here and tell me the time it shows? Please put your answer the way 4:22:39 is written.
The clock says 11:35:02
